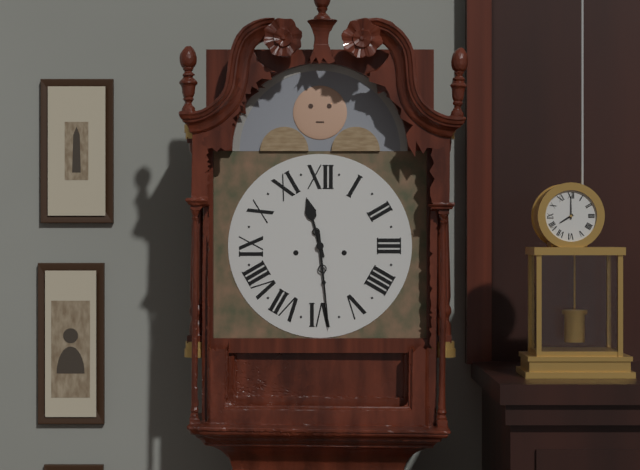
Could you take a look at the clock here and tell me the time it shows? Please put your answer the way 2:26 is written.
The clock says 11:29
